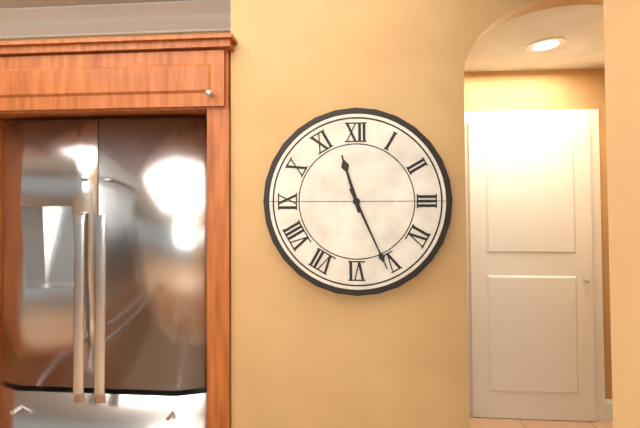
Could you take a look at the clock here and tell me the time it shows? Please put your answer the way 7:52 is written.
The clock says 11:26
